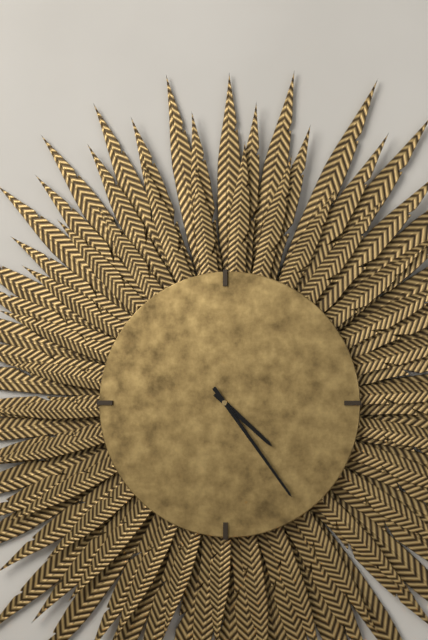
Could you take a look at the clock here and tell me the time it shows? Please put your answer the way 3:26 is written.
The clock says 4:24
